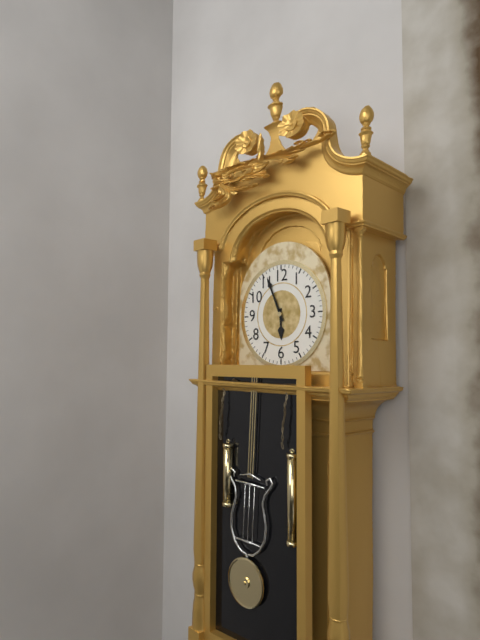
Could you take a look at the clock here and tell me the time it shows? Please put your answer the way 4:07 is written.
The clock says 5:56
